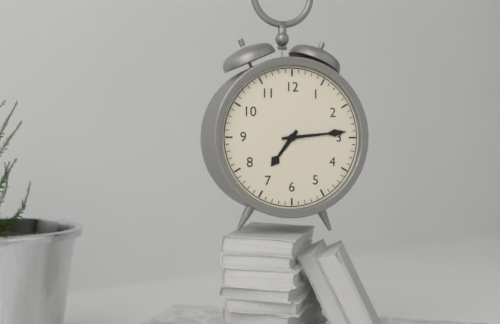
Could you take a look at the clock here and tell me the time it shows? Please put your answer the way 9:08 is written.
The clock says 7:14
